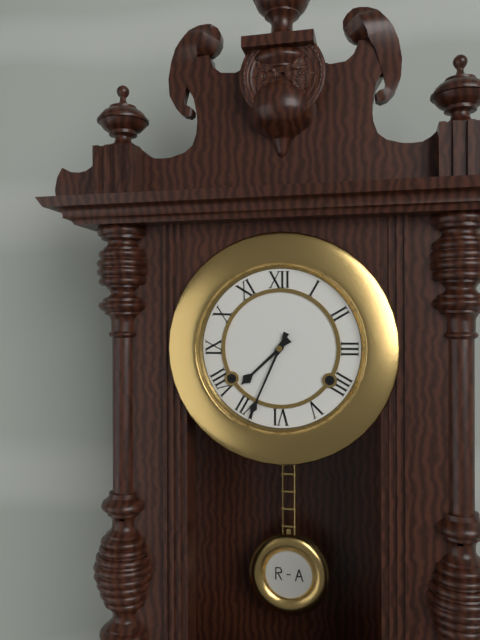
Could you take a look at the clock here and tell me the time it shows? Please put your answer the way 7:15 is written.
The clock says 7:34
